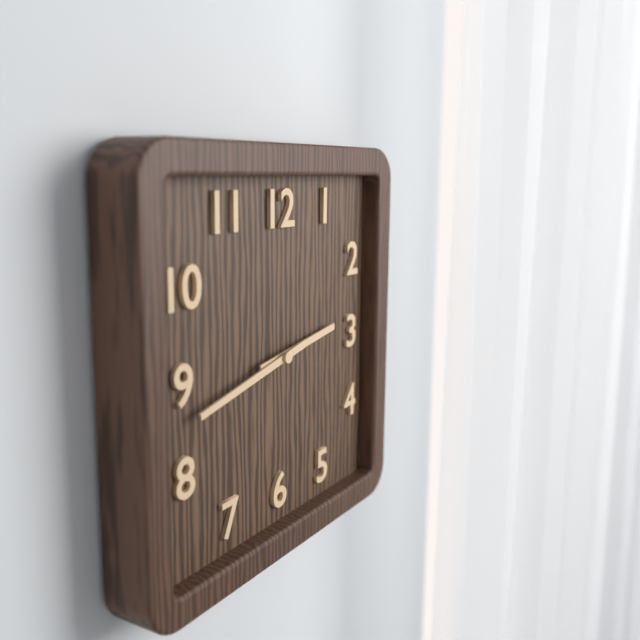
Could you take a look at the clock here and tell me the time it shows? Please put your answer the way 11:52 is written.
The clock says 2:43
